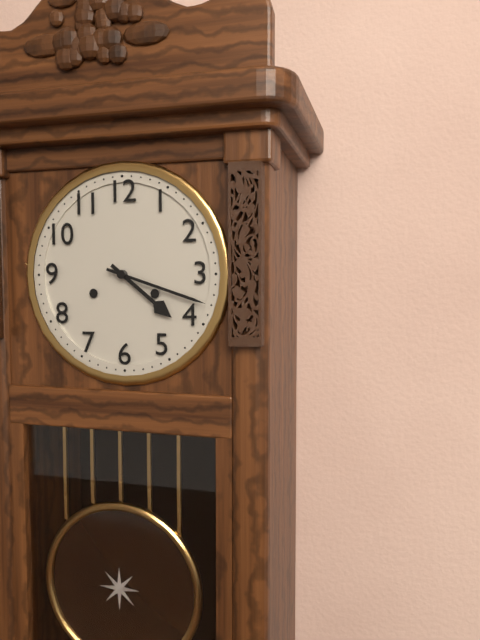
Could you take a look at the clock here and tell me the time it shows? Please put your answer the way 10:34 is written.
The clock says 4:18
